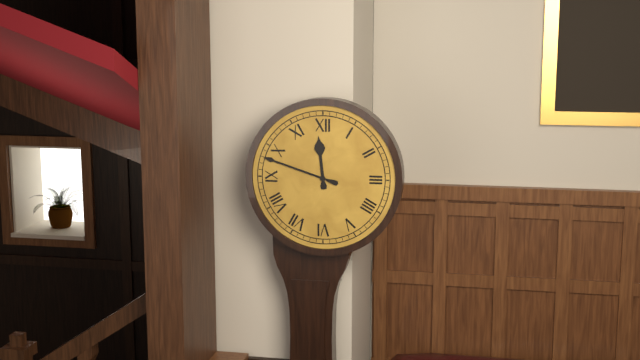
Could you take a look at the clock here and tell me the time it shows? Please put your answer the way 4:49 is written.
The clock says 11:48
